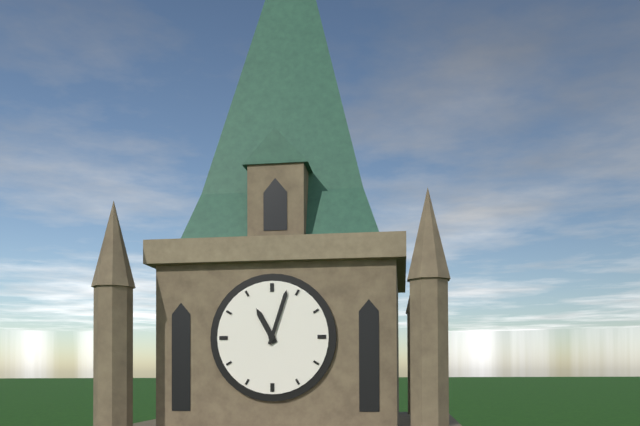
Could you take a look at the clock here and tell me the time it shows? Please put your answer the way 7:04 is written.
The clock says 11:03
